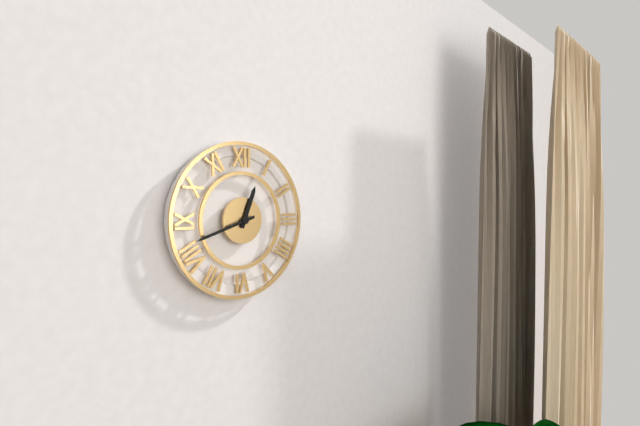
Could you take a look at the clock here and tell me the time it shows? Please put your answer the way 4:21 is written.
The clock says 12:42
